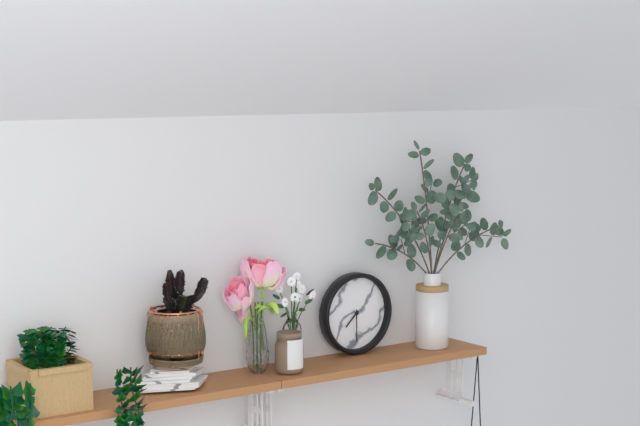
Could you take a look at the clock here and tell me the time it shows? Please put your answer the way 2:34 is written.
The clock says 7:30
